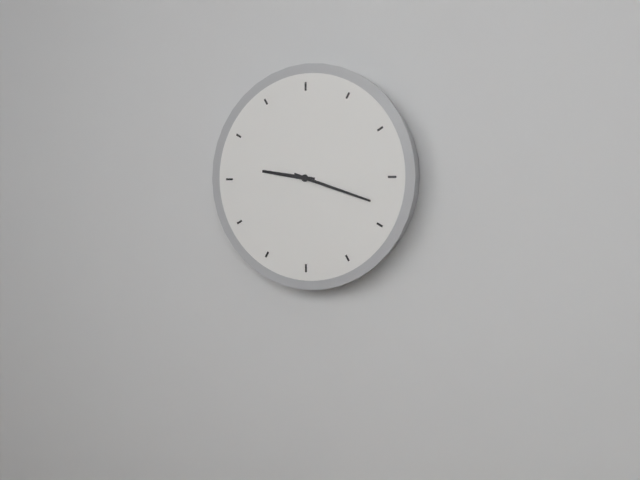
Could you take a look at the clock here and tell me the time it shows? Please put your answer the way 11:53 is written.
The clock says 9:18
